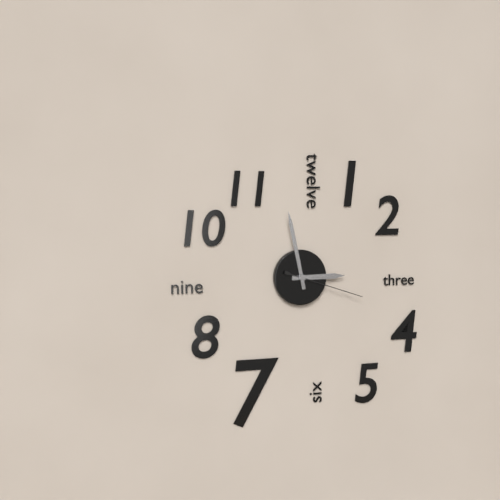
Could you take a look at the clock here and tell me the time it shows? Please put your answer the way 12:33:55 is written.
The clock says 2:58:18
